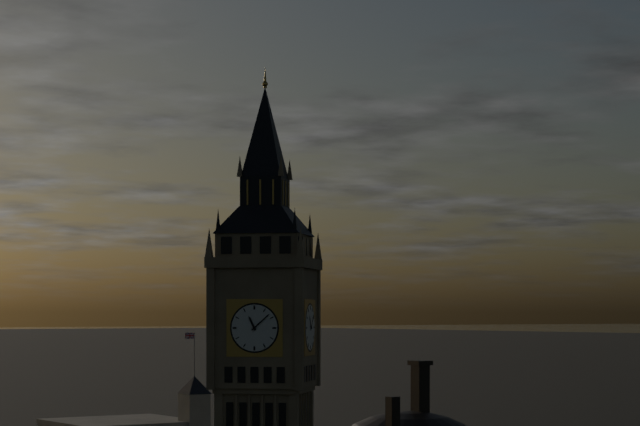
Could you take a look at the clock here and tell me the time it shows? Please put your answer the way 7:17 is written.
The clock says 11:08
